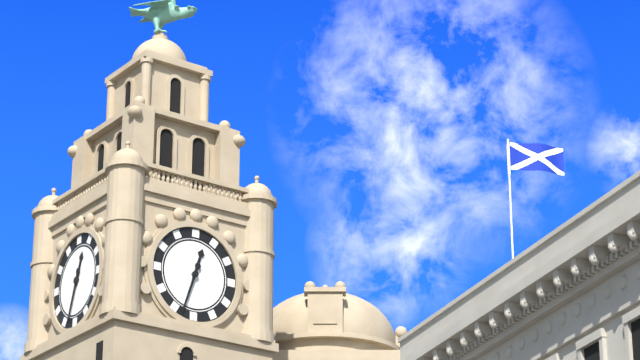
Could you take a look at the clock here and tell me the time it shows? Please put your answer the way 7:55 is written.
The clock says 12:33
